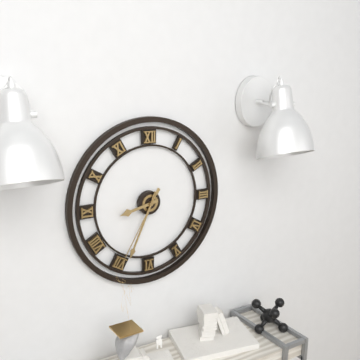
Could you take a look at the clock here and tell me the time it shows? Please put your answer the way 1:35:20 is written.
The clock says 8:34:35
